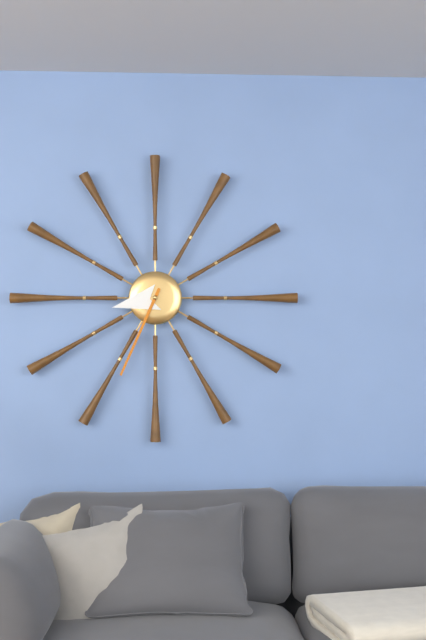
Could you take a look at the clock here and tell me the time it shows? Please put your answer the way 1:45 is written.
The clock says 8:34
